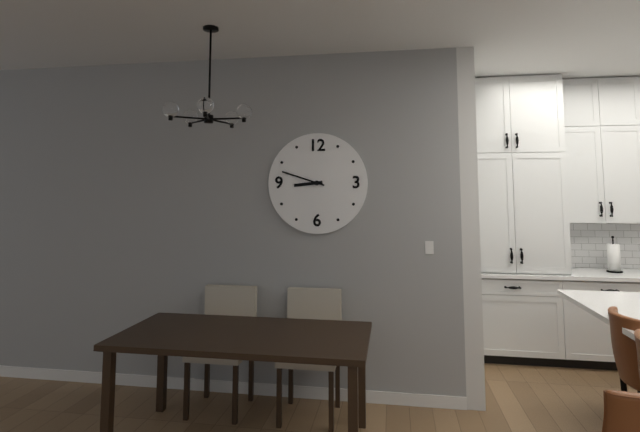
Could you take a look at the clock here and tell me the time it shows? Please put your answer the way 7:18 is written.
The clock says 8:48
